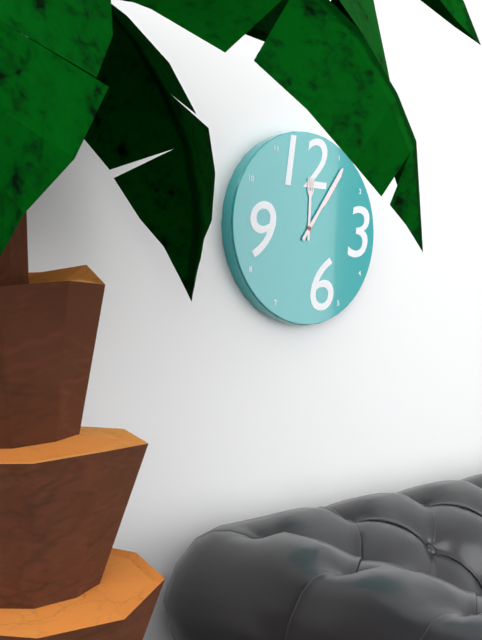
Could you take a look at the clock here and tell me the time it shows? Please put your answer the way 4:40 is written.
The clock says 12:06
